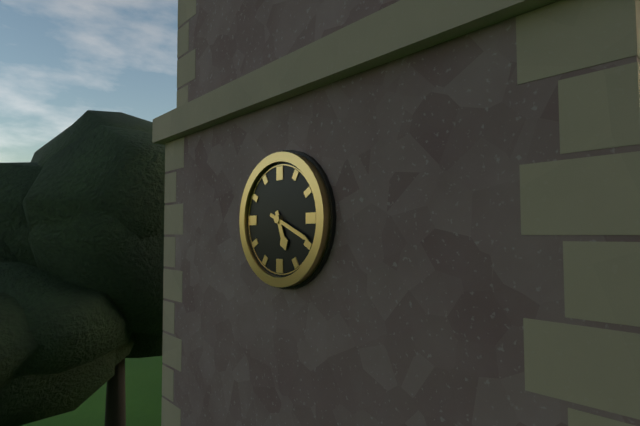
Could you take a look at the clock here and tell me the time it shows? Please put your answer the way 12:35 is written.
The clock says 5:19
